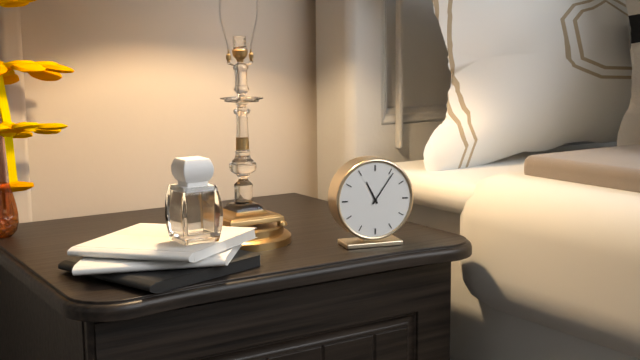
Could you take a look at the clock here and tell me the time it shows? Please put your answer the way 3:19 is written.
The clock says 11:06
